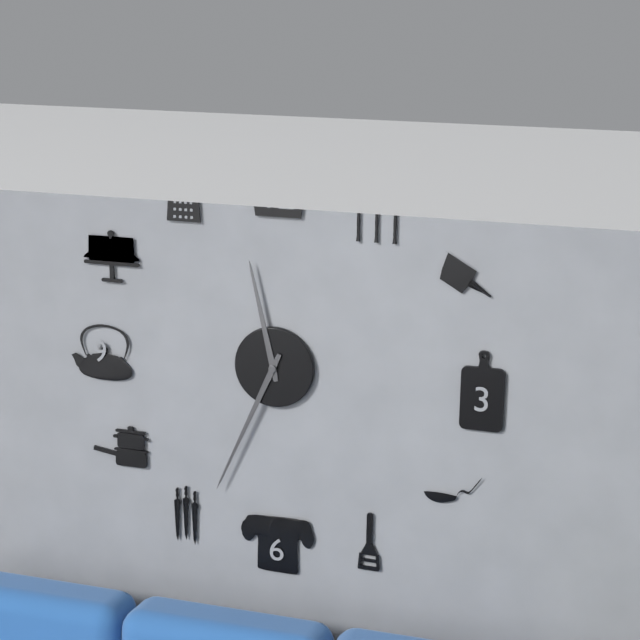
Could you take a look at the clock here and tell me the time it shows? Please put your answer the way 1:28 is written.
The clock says 11:34
